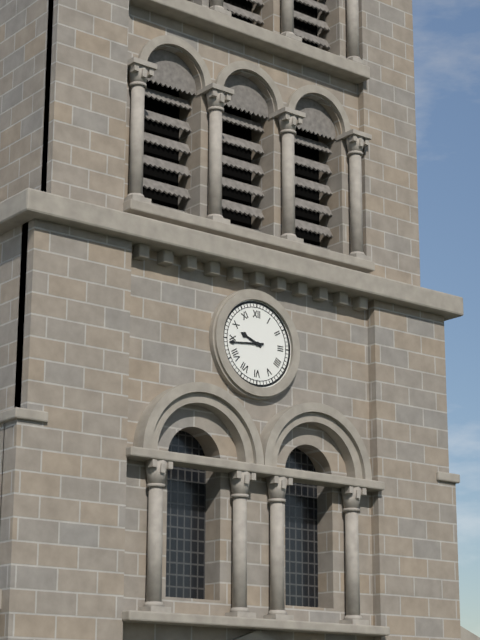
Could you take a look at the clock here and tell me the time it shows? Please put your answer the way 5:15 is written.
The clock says 9:44
